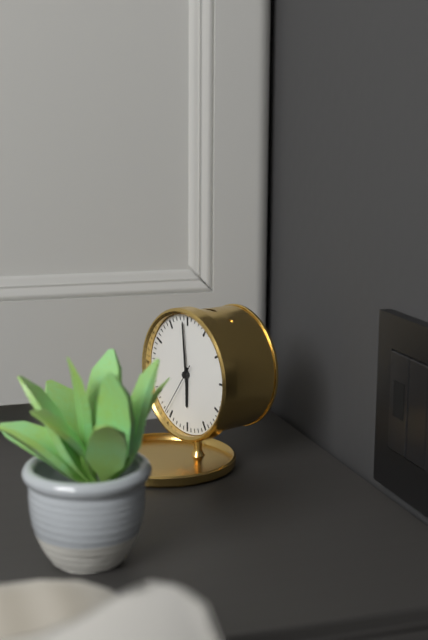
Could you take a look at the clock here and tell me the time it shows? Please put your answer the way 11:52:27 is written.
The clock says 5:59:36
